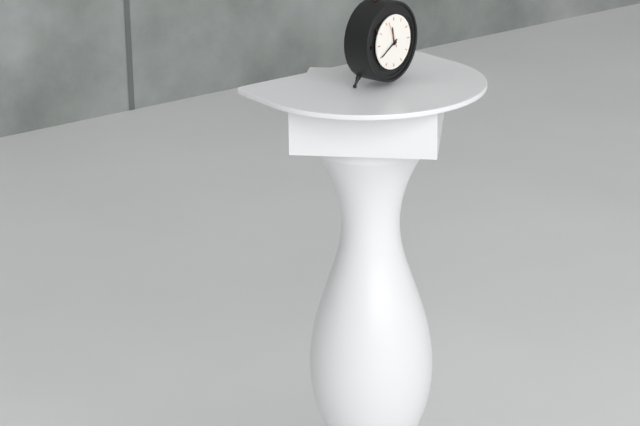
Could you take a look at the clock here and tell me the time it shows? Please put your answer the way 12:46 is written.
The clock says 11:40
